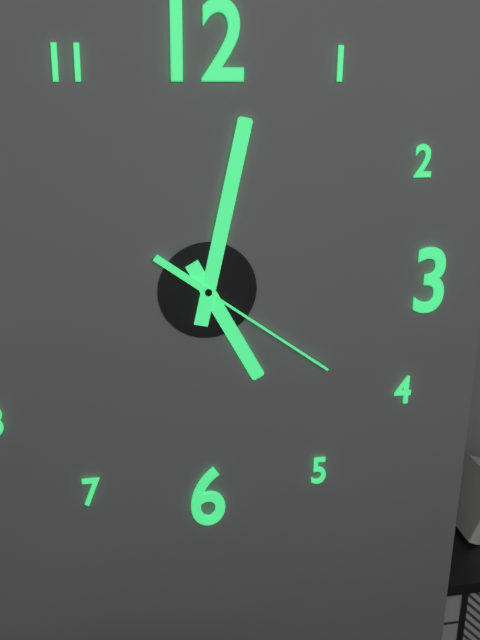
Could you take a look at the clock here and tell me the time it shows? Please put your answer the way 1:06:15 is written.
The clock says 5:02:21
